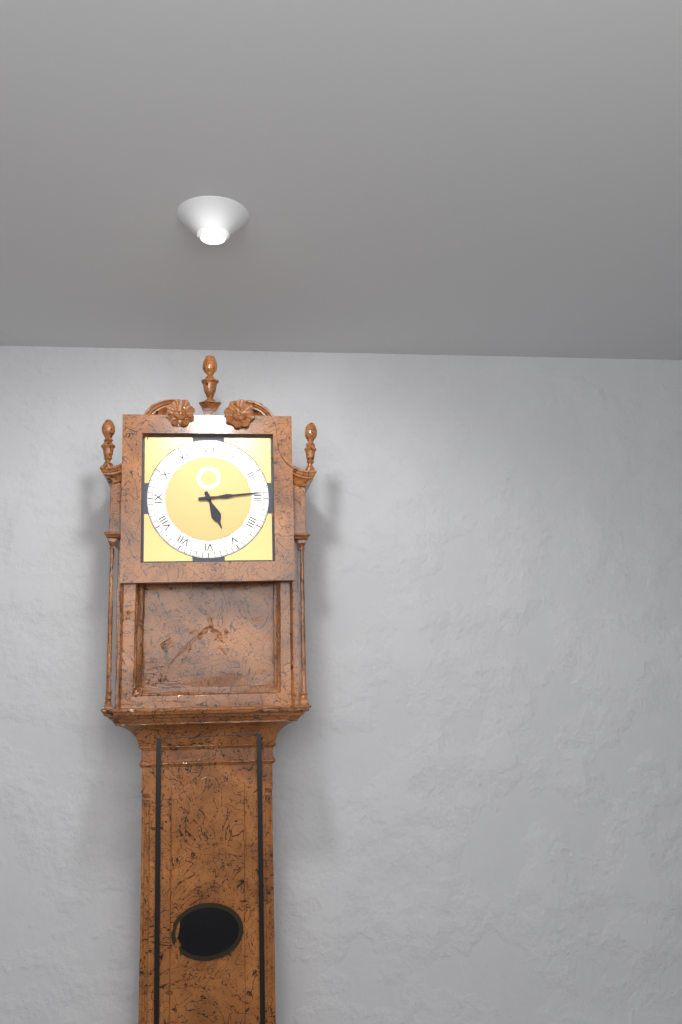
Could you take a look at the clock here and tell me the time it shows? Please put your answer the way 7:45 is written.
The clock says 5:14
